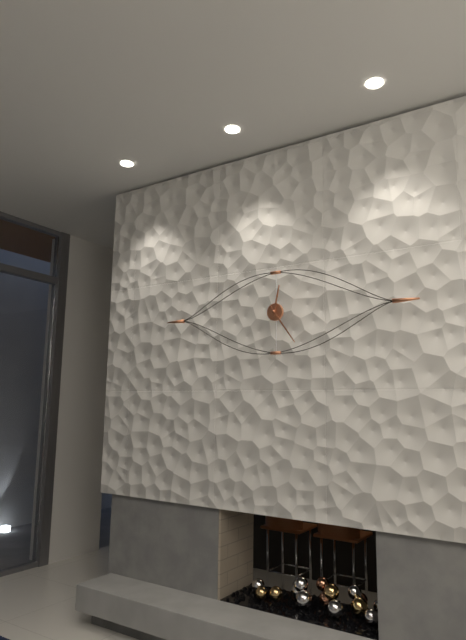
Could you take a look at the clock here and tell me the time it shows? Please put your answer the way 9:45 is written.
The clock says 12:24
